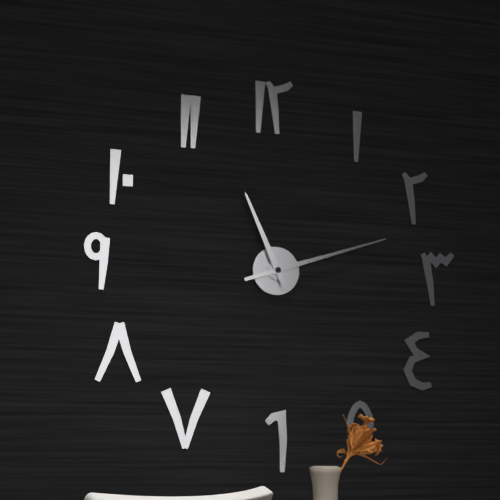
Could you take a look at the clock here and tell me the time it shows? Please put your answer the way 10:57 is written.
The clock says 11:12
